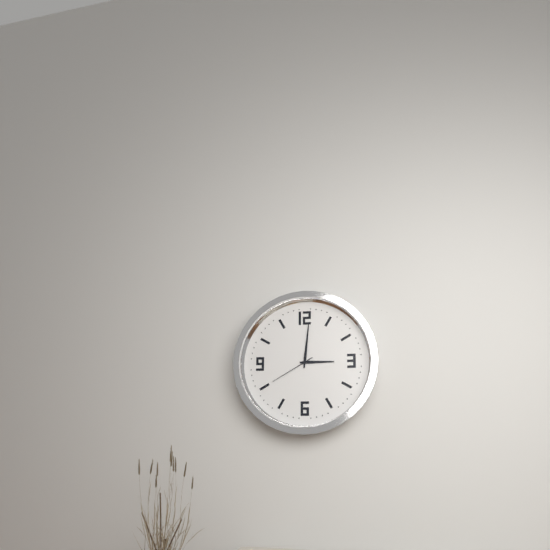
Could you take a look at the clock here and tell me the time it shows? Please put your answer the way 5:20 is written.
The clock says 3:01
